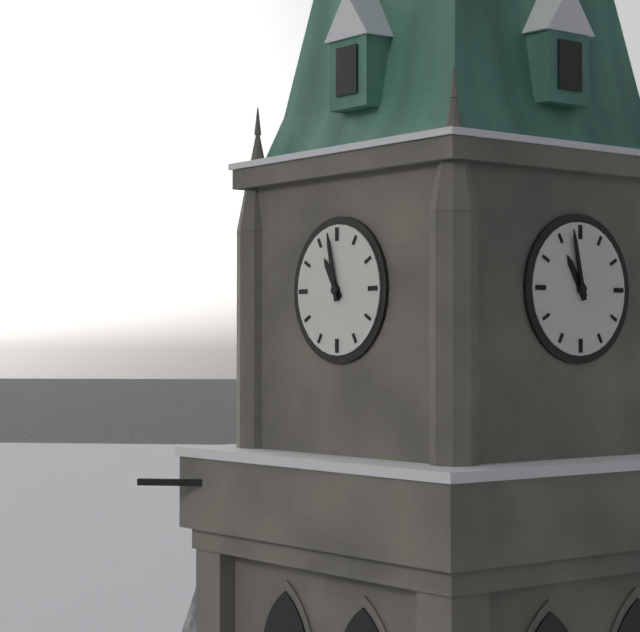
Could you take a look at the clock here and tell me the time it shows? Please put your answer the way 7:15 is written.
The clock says 10:58
